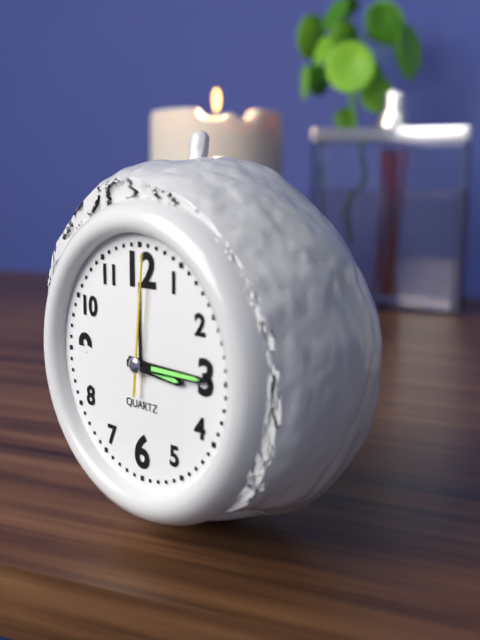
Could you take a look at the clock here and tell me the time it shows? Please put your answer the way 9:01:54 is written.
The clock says 3:15:01
